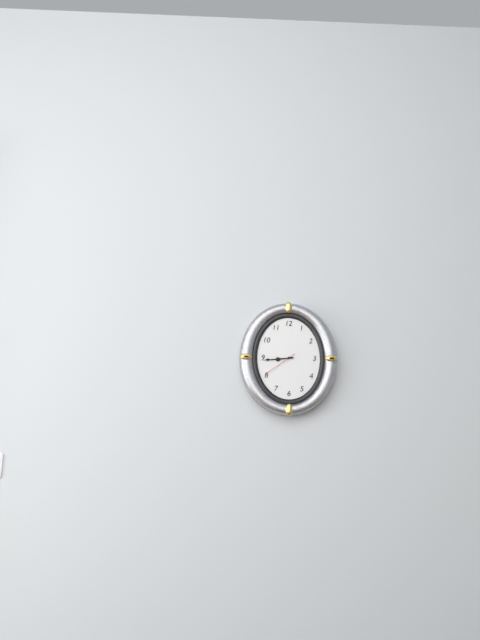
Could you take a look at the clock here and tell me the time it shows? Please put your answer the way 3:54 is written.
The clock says 8:44
